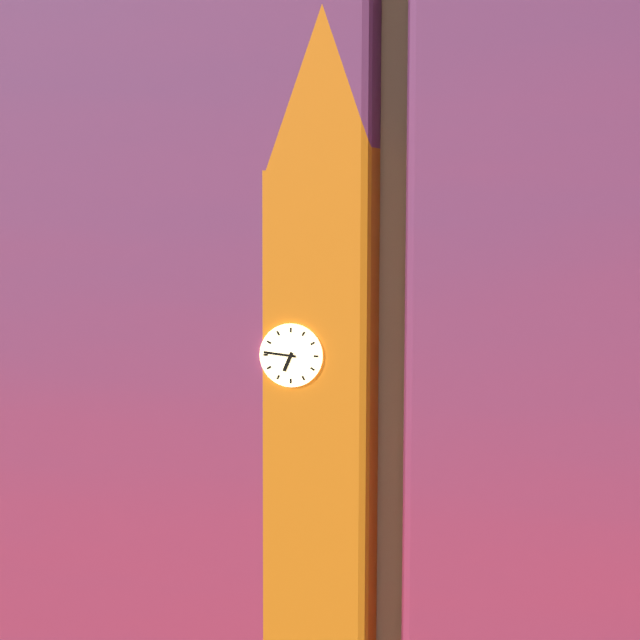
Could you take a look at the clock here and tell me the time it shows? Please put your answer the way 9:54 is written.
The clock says 6:46
